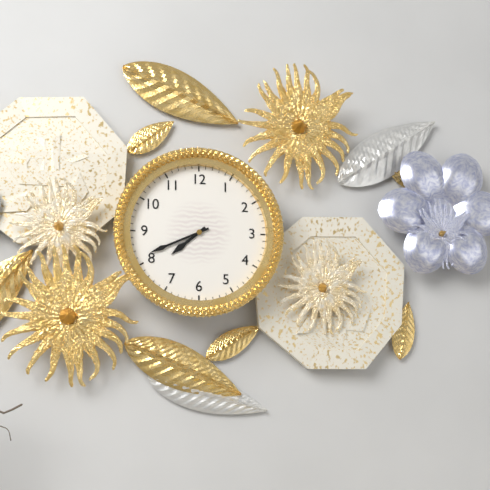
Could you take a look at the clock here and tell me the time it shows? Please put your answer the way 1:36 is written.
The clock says 7:41
